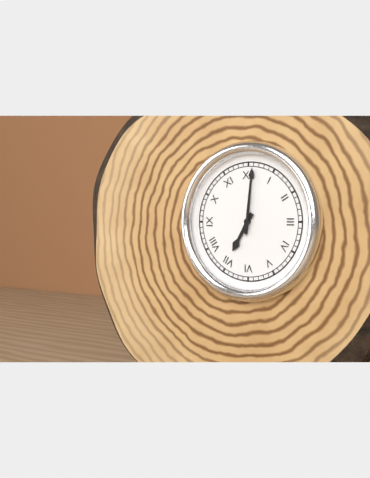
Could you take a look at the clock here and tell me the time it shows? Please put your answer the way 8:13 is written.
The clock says 7:01
